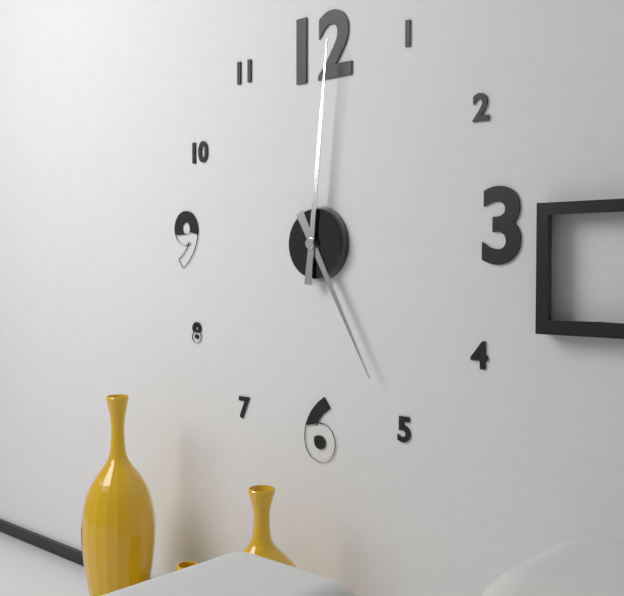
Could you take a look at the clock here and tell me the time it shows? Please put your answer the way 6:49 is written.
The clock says 5:01
